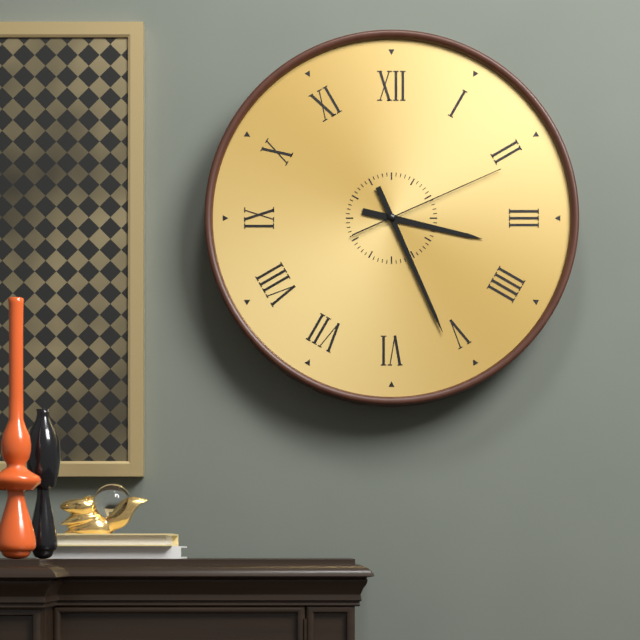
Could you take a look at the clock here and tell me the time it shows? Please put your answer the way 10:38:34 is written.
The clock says 3:26:11
